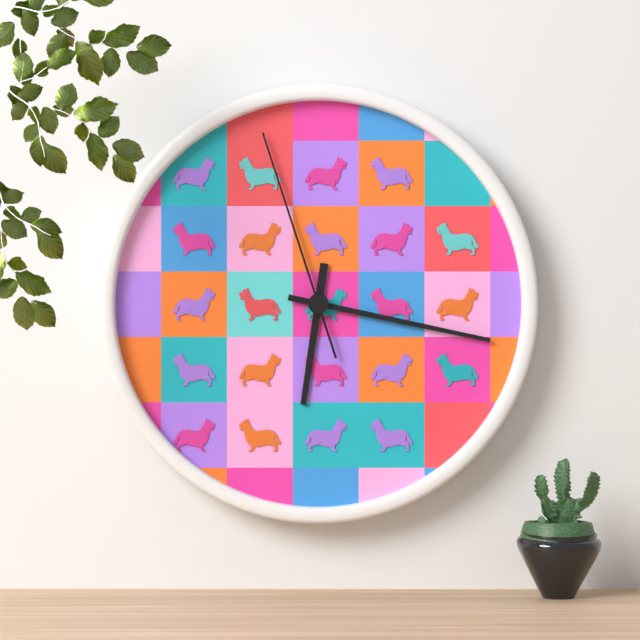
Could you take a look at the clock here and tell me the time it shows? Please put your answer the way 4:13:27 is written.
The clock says 6:17:57
